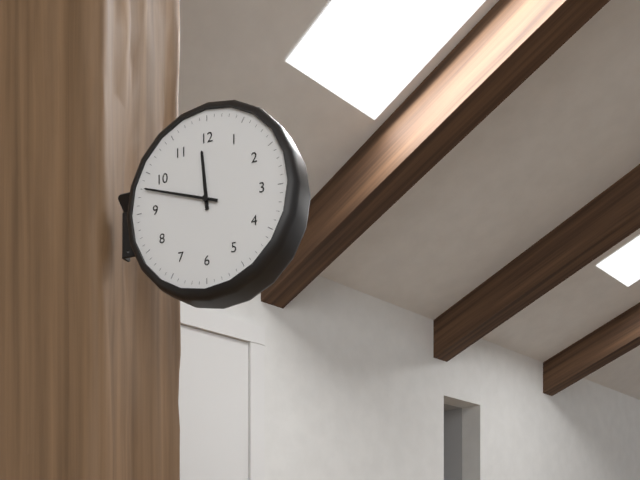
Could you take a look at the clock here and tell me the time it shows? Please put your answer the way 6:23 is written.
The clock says 11:48
